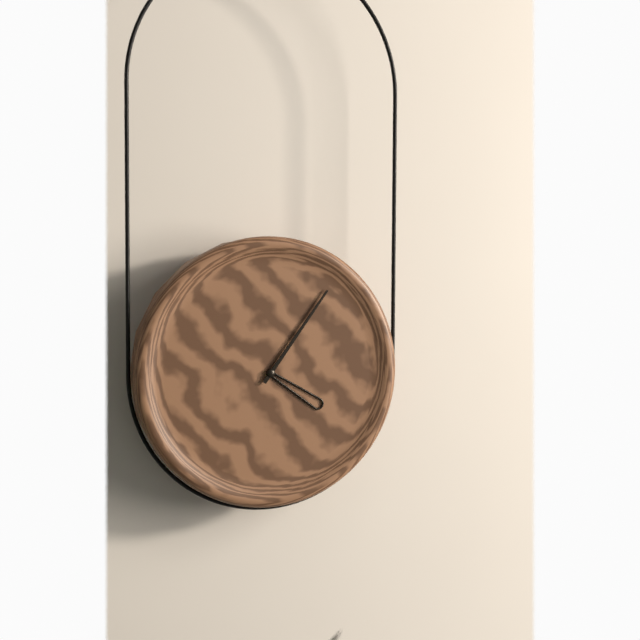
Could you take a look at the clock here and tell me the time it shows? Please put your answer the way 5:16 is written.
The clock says 4:06
